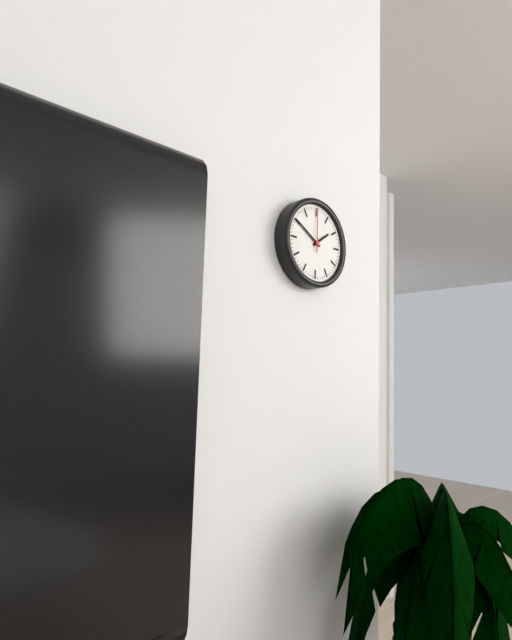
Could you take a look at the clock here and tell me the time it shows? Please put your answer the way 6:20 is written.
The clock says 1:50
